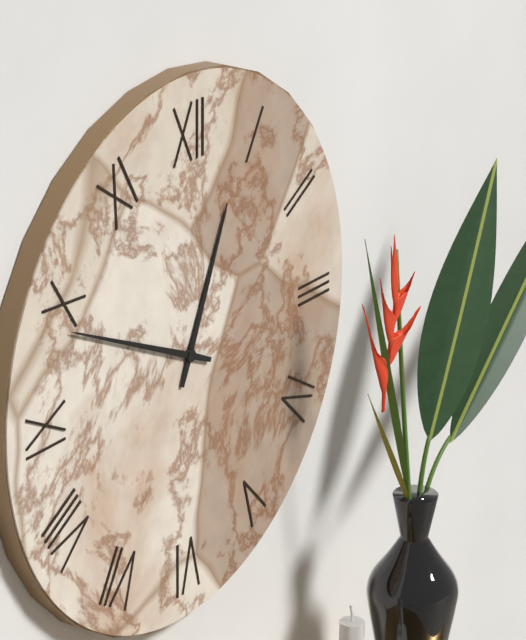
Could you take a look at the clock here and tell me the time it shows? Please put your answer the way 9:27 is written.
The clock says 12:49
